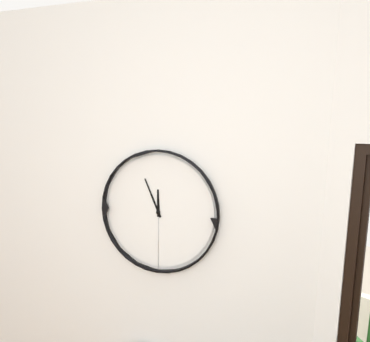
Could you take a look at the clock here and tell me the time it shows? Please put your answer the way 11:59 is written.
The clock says 11:56
